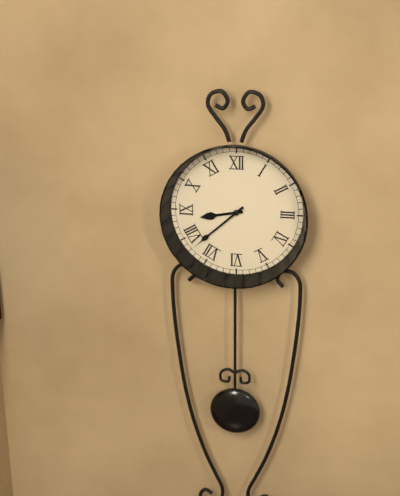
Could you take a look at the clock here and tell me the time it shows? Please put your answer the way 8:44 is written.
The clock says 8:38
